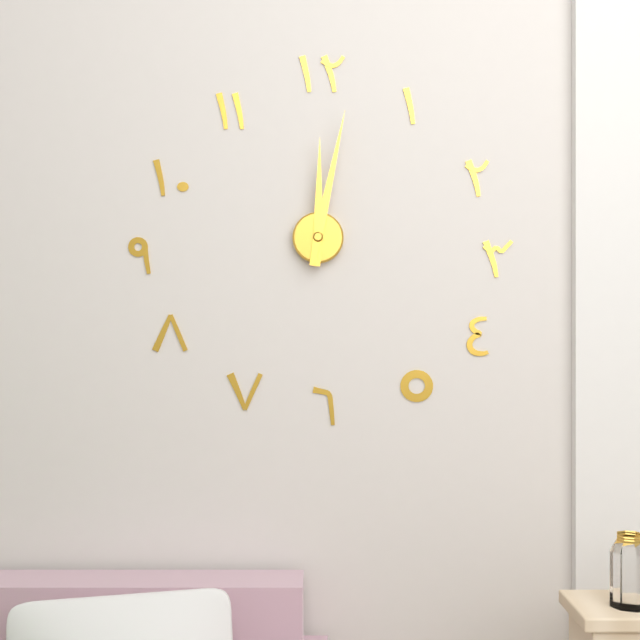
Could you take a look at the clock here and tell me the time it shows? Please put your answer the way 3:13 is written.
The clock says 12:02
